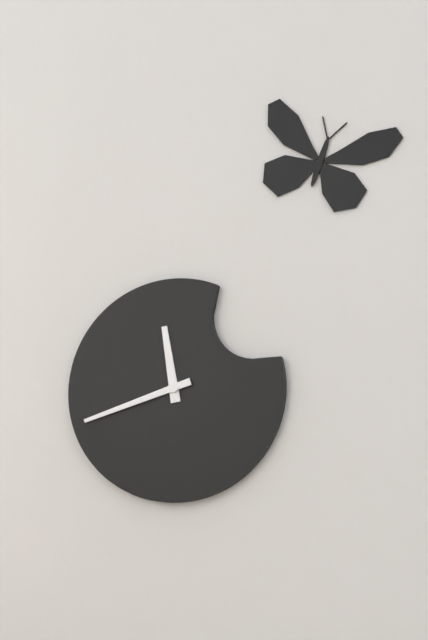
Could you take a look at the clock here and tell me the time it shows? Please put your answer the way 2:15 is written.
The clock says 11:42
